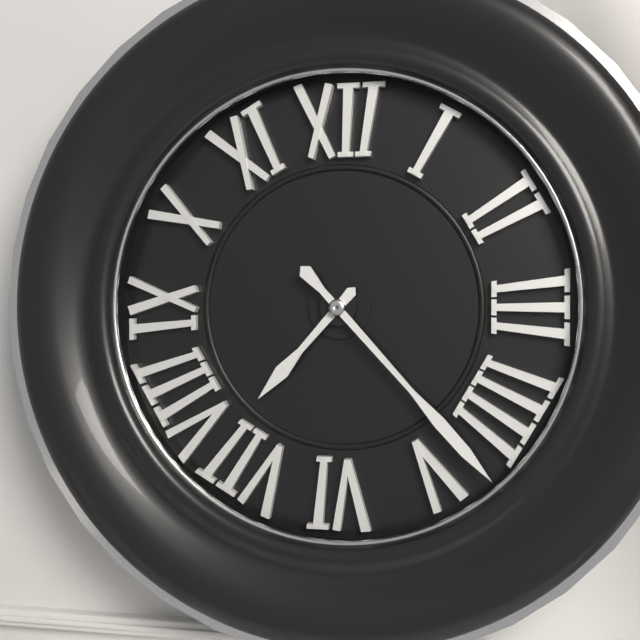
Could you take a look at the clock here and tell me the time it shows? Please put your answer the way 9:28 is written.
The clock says 7:23
